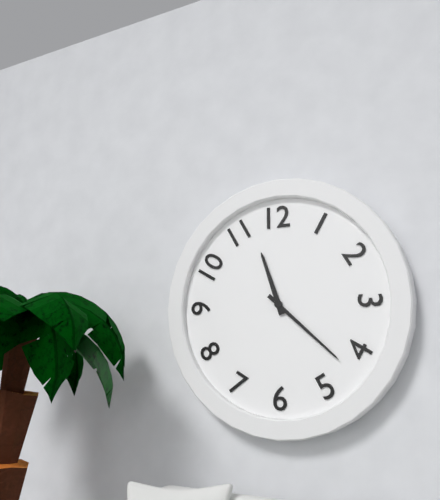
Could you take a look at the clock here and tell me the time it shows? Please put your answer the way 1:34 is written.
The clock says 11:22
